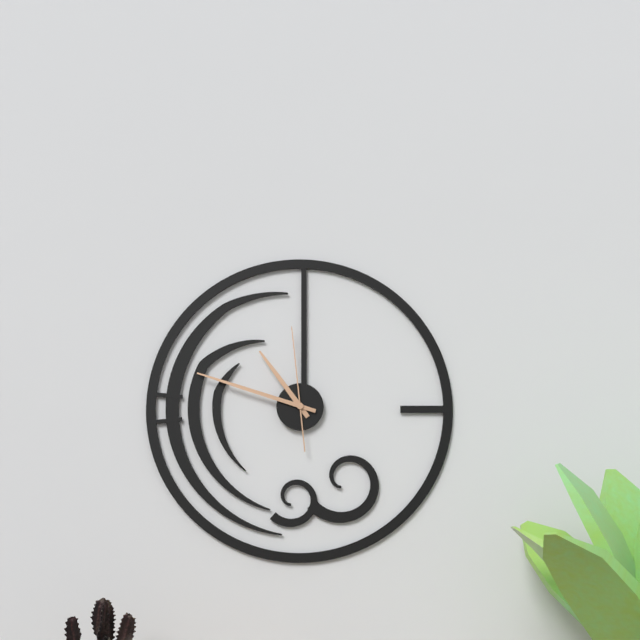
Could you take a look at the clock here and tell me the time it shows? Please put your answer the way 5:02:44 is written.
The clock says 10:48:59
